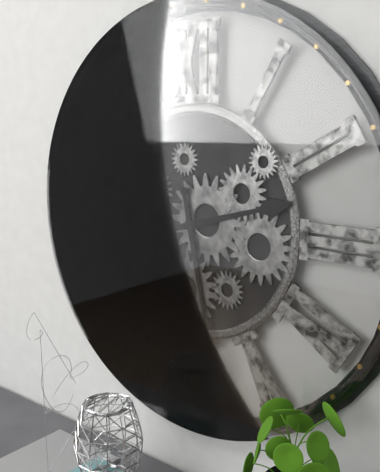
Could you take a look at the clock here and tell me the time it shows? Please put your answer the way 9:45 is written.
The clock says 2:28
